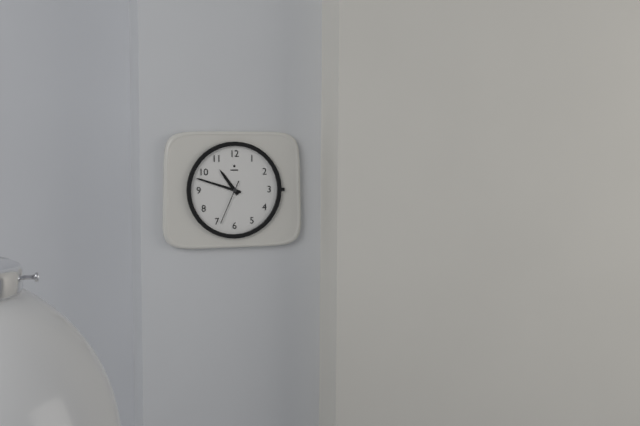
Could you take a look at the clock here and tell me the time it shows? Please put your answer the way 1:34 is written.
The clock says 10:48
